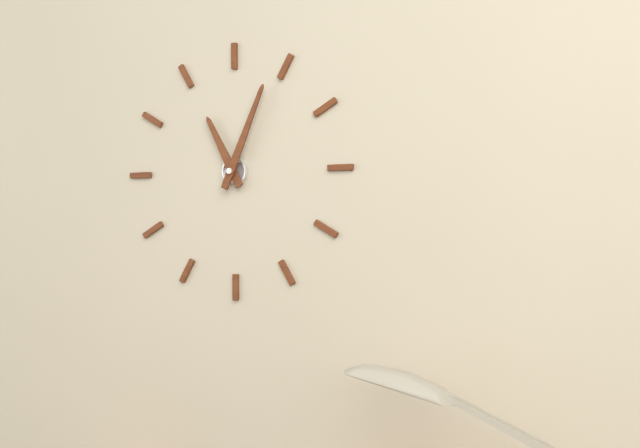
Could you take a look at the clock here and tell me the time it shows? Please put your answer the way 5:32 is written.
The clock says 11:04
